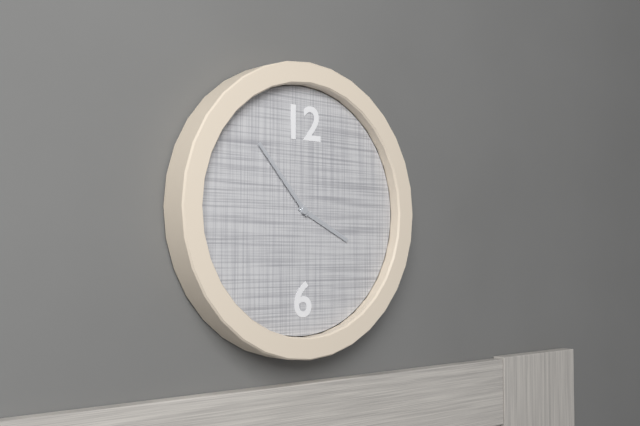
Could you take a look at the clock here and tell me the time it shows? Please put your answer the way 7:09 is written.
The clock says 3:53
